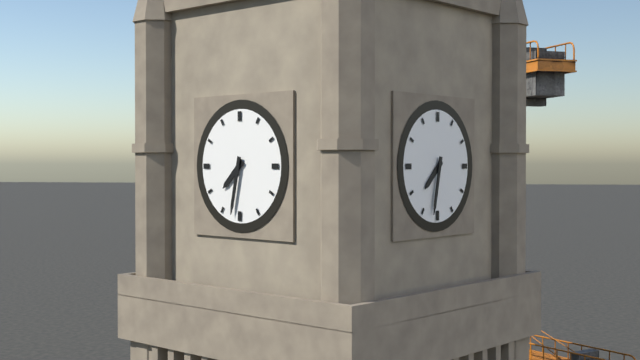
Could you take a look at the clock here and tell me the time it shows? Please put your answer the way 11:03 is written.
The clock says 7:32
